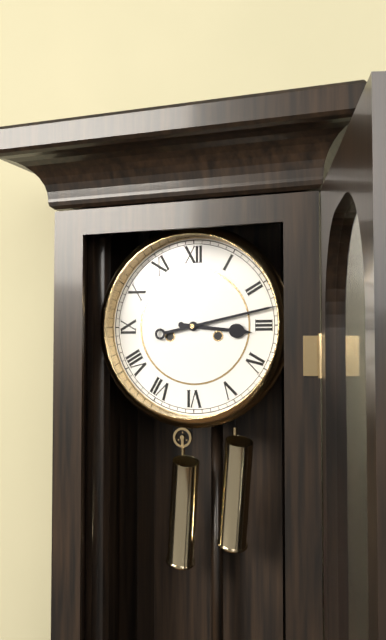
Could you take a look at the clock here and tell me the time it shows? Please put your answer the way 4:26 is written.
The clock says 3:13
